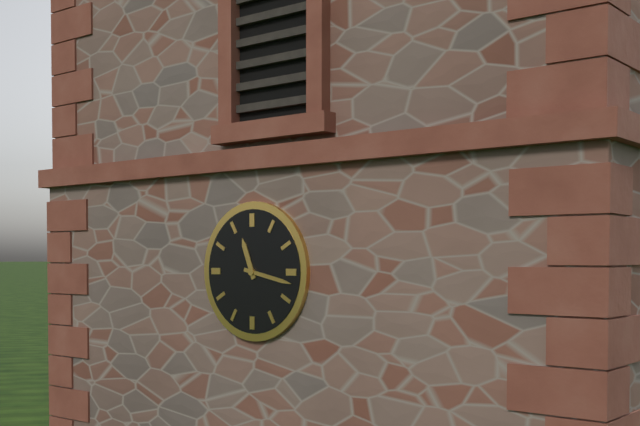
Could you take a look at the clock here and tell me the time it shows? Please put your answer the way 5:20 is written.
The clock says 11:17
